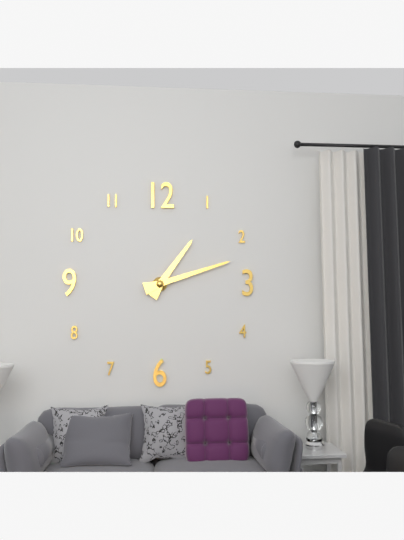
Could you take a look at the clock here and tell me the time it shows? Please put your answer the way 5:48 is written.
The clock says 1:12
